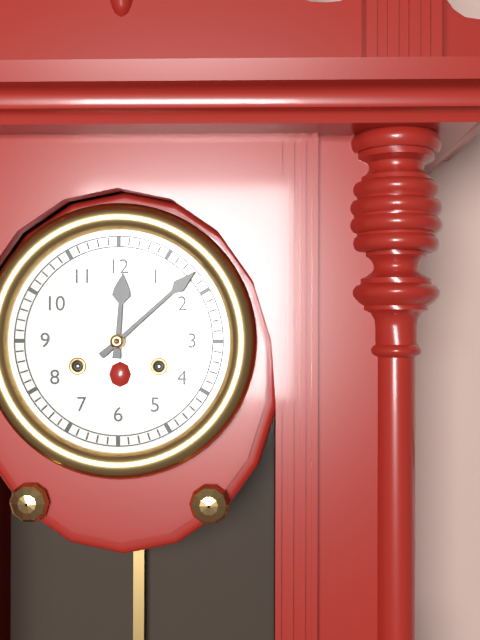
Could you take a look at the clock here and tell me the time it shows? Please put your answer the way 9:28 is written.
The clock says 12:08
